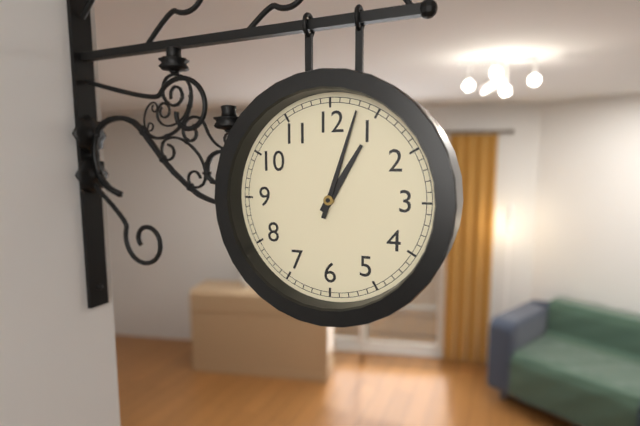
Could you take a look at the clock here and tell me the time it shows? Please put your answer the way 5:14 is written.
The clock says 1:03
